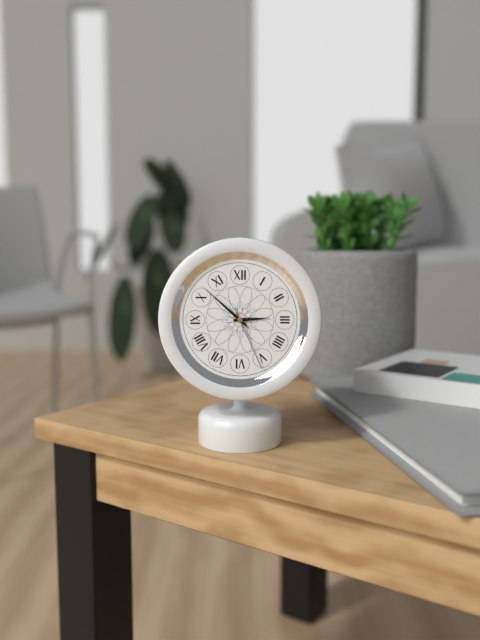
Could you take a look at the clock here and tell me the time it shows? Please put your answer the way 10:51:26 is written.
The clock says 2:52:26
